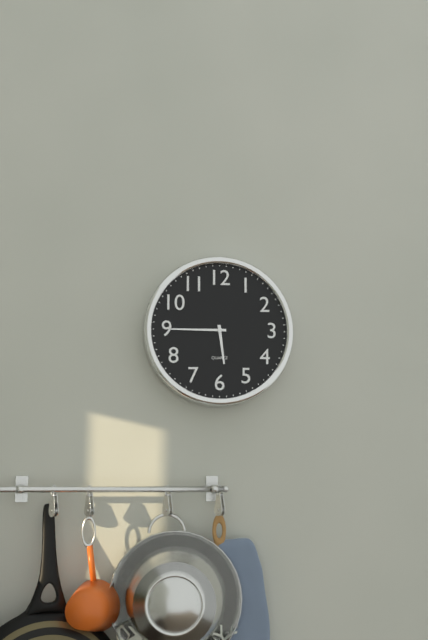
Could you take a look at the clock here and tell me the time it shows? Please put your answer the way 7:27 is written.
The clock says 5:45
